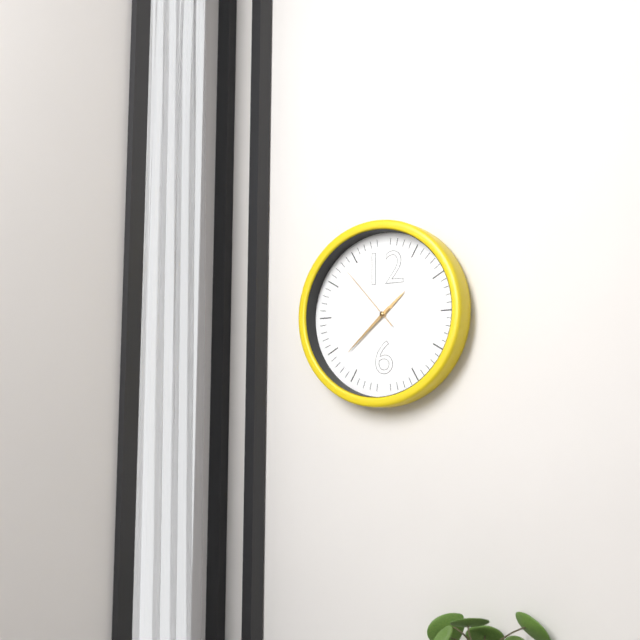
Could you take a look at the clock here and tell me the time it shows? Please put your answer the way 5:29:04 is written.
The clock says 1:38:53
